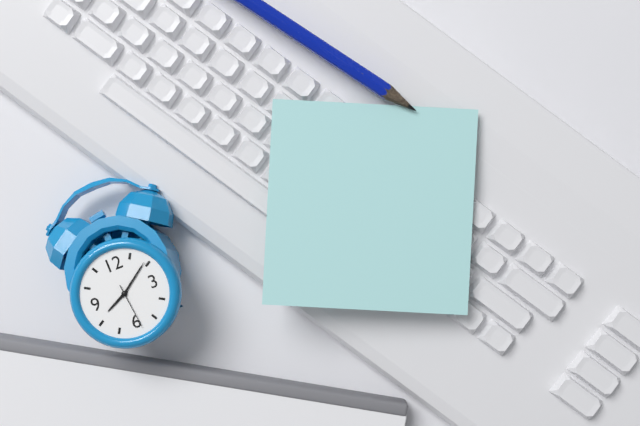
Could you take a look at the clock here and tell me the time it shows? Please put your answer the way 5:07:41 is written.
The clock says 8:09:29
